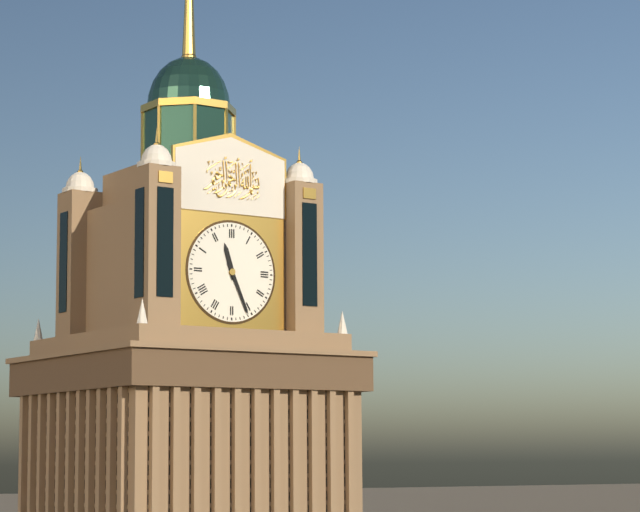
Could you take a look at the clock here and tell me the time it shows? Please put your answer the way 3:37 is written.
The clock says 11:26
